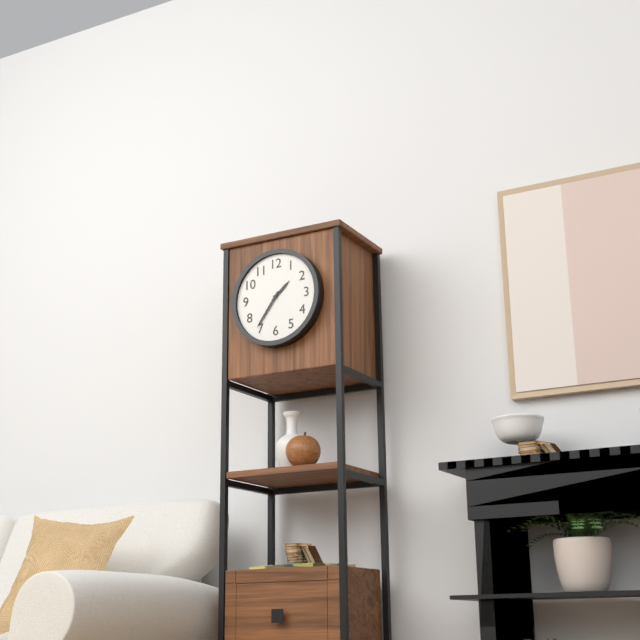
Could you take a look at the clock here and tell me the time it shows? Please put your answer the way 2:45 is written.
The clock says 1:36
